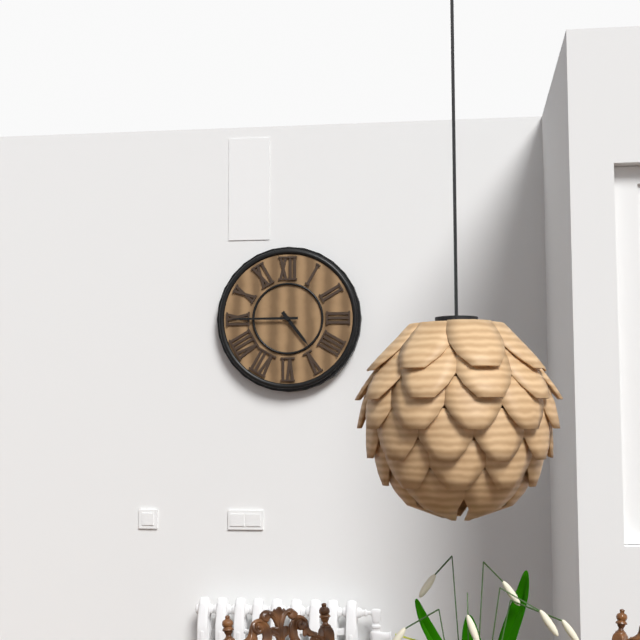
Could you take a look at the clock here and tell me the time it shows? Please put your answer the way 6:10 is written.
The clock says 4:45
